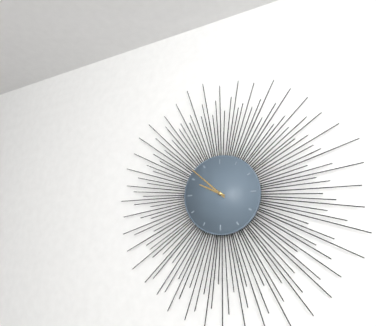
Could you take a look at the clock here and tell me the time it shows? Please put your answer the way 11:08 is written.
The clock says 9:52
